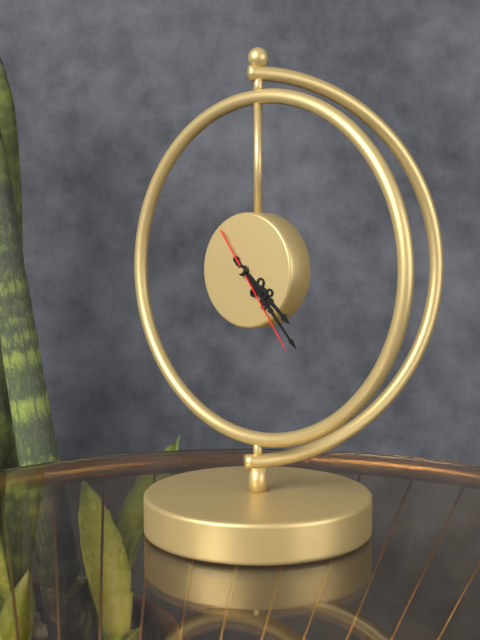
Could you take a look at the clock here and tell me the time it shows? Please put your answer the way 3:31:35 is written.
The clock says 4:23:24
